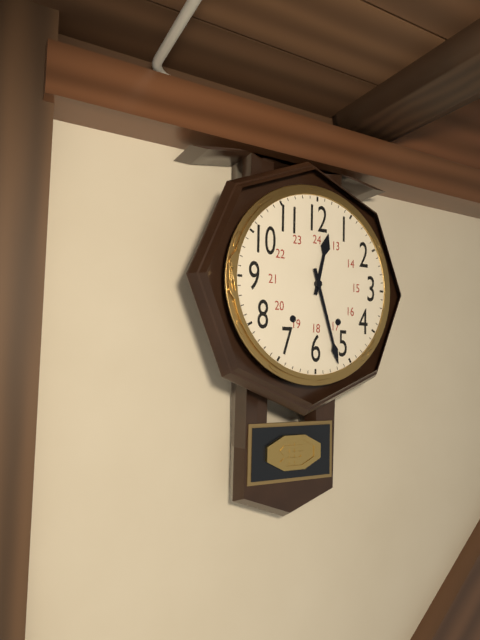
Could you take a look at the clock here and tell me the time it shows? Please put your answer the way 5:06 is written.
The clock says 12:27
